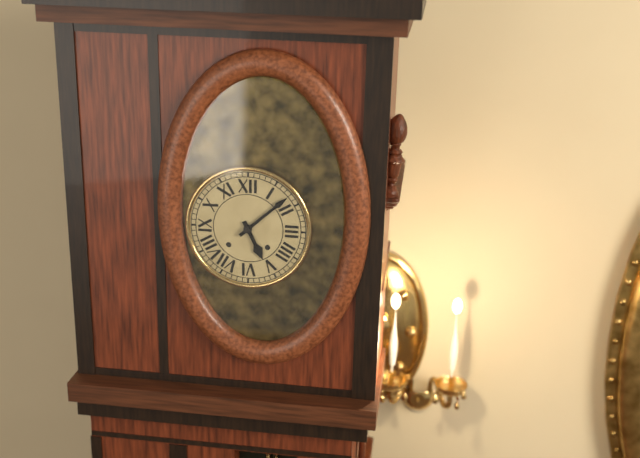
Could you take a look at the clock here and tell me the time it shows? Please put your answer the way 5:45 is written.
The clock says 5:08
